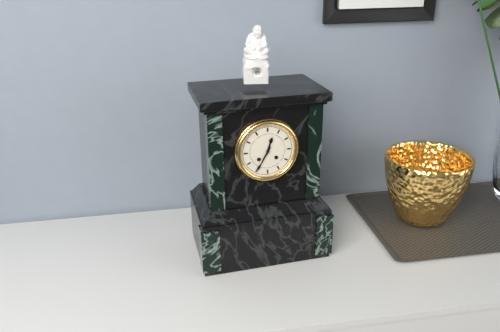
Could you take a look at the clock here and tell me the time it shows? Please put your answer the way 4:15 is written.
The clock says 12:35
